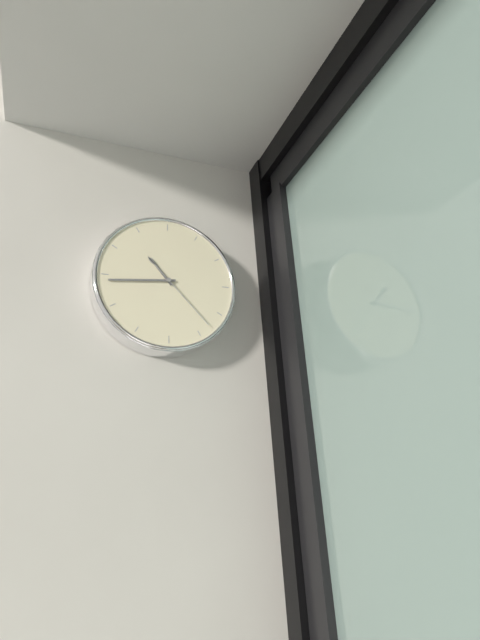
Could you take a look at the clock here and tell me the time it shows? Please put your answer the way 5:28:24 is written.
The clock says 10:44:23
